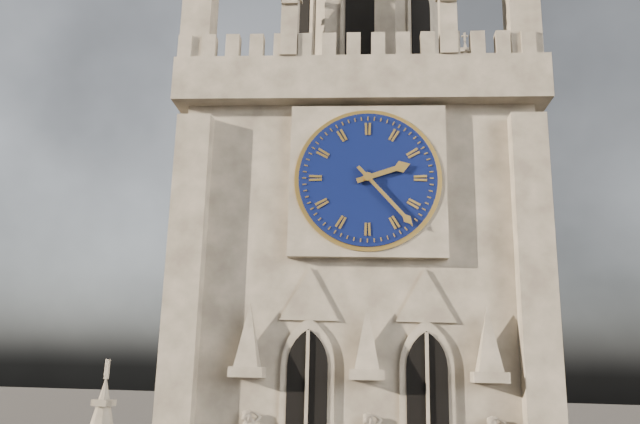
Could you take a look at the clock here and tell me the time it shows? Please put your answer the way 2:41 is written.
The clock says 2:23
